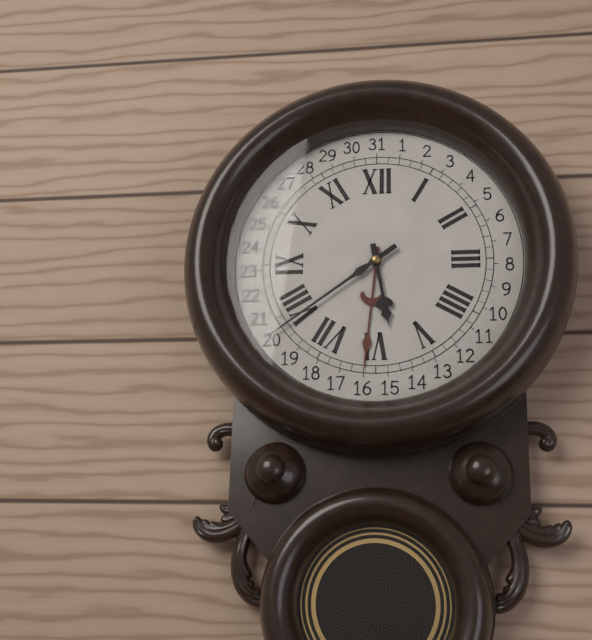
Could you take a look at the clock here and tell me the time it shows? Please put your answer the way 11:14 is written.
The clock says 5:39
